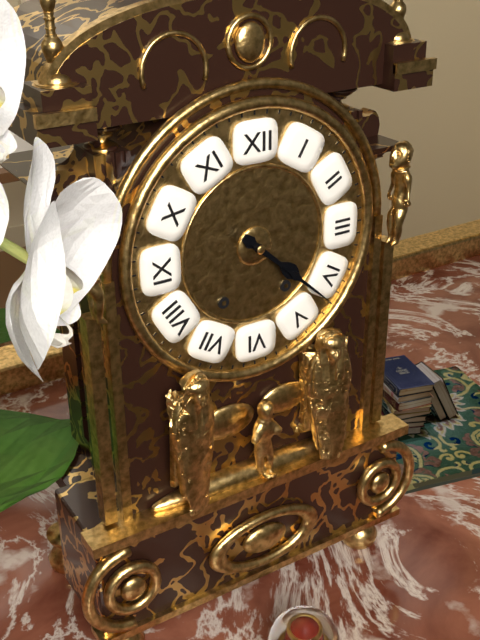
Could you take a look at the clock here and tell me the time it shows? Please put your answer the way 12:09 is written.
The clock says 4:22
